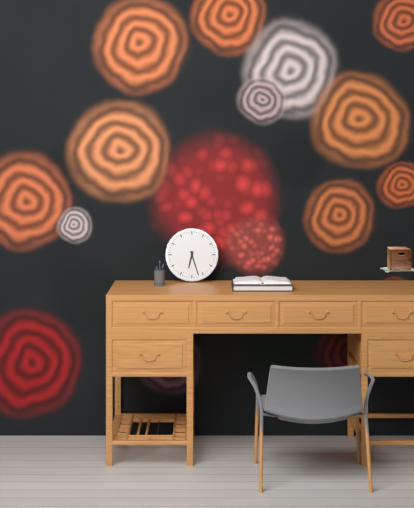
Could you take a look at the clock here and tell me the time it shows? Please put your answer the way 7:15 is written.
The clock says 6:27
